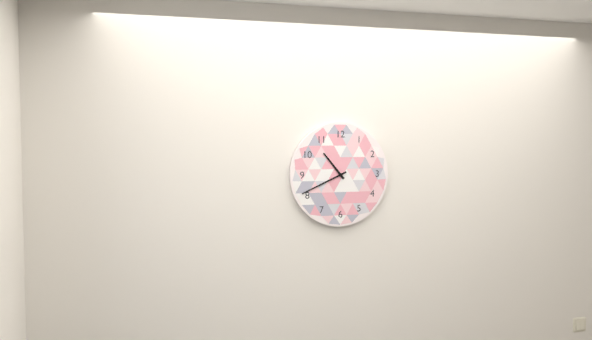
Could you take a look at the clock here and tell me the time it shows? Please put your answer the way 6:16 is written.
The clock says 10:41
